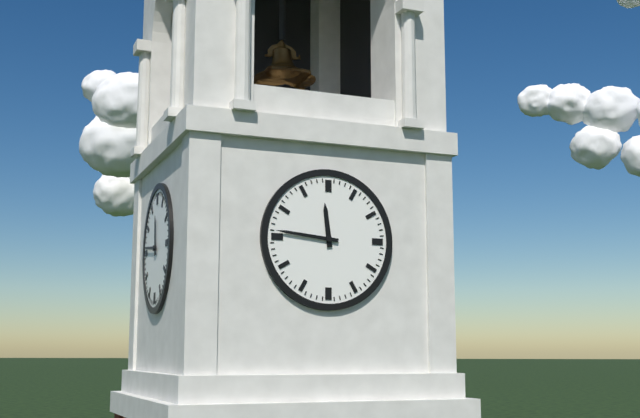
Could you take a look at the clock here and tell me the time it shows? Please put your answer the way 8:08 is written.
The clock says 11:46
